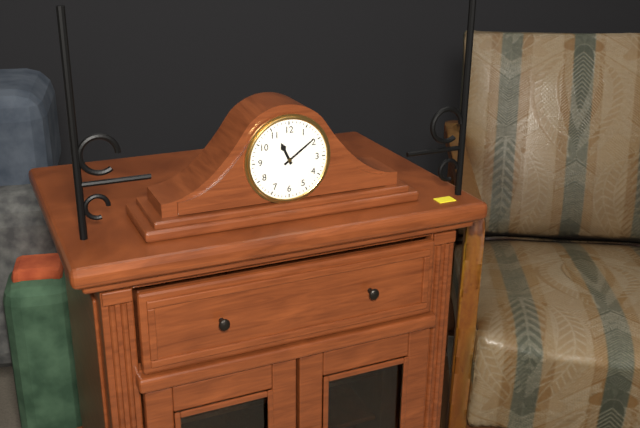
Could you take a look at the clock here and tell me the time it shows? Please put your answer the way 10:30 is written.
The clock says 11:09
